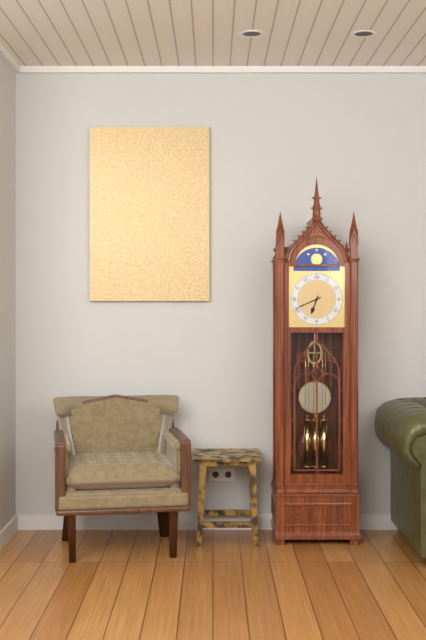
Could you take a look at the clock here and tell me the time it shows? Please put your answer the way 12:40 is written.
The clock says 6:41
